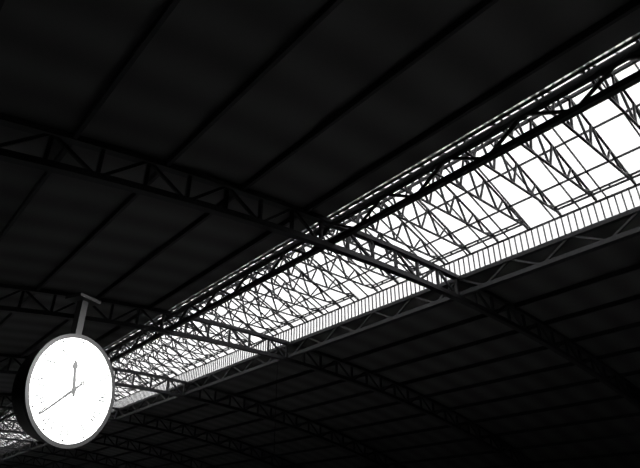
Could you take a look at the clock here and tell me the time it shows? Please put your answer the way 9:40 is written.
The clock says 11:38
